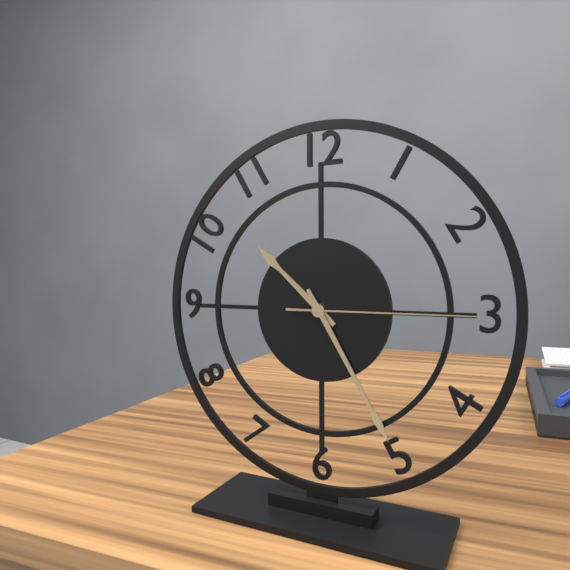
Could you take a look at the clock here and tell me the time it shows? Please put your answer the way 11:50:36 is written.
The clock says 10:25:15
